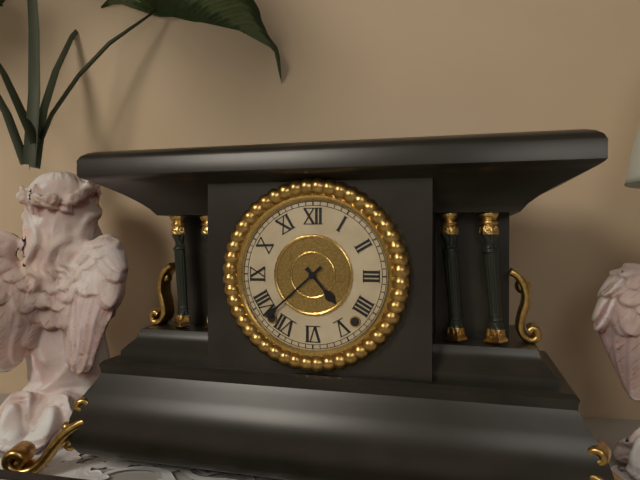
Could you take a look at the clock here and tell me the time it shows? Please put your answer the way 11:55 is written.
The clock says 4:38
